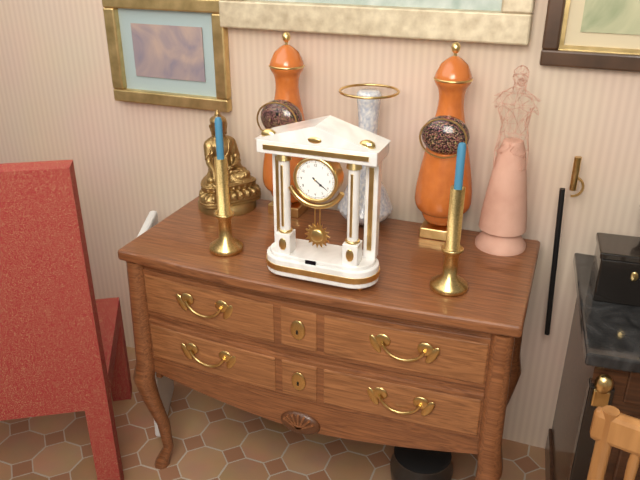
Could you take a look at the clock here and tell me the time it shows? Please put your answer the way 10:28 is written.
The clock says 4:21
